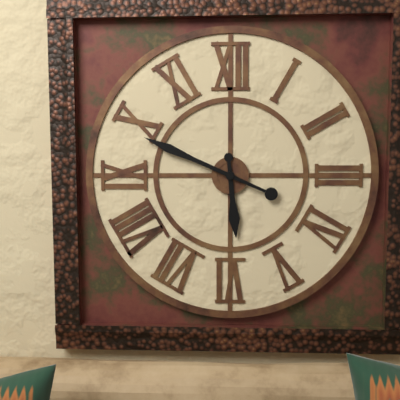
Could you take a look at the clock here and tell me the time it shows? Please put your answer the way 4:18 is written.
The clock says 5:49
